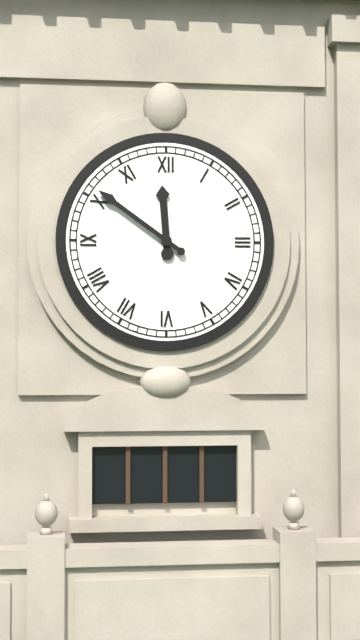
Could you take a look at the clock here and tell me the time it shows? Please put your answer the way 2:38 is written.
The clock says 11:51
